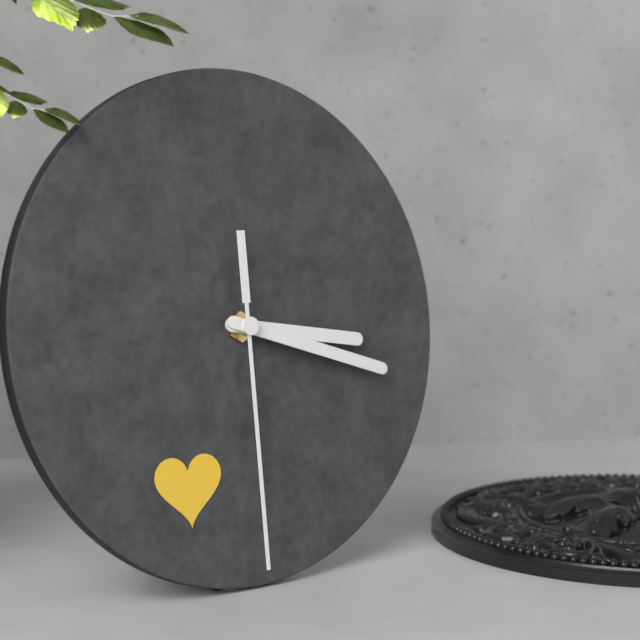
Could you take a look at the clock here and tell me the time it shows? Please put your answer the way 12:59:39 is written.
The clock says 3:18:30
